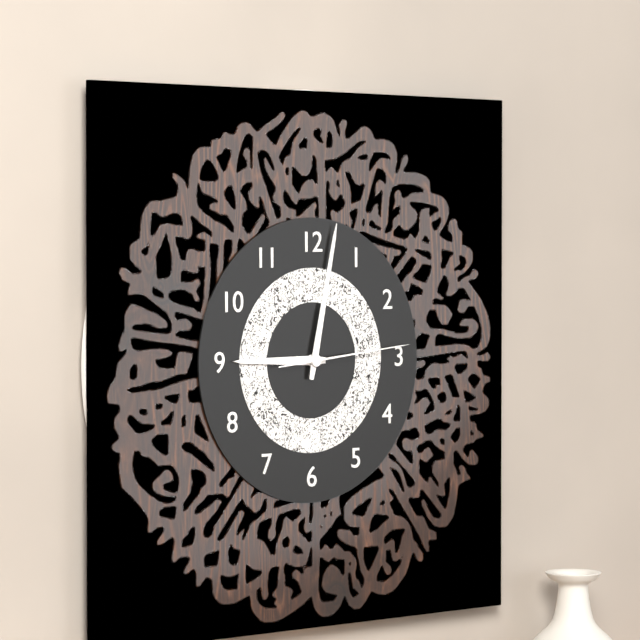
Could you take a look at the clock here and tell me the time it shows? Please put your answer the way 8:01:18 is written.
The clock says 9:02:14
